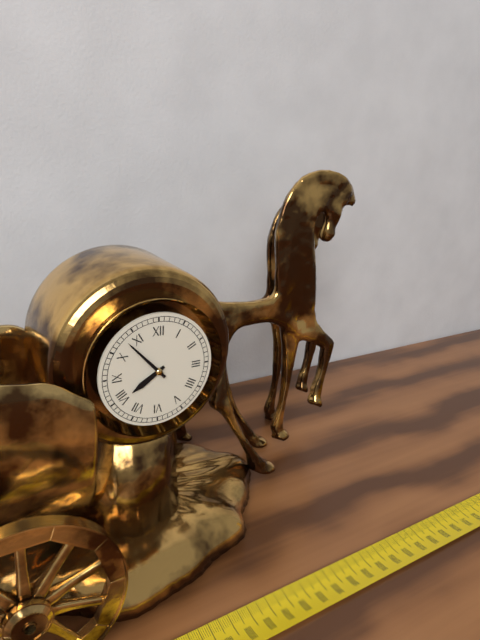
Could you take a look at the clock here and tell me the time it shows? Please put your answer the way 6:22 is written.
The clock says 7:53
